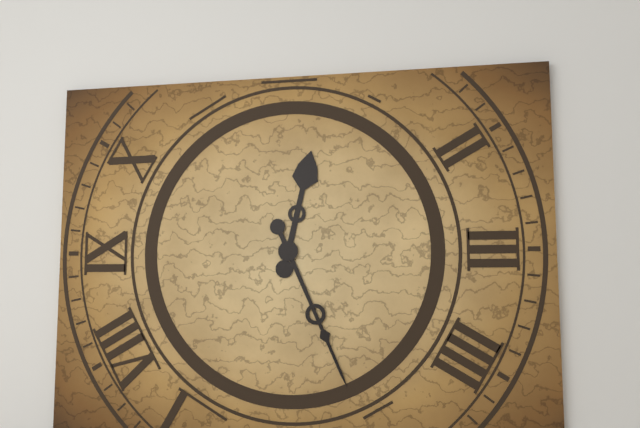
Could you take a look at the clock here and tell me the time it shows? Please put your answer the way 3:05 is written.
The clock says 12:26
